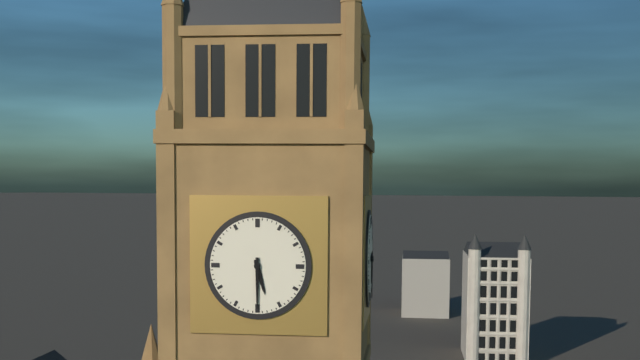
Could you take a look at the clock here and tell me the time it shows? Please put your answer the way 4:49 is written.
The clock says 5:30
